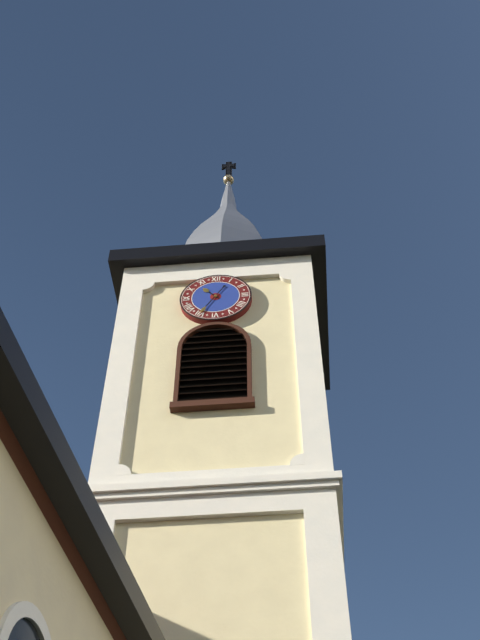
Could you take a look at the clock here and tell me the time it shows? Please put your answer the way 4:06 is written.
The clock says 10:35
